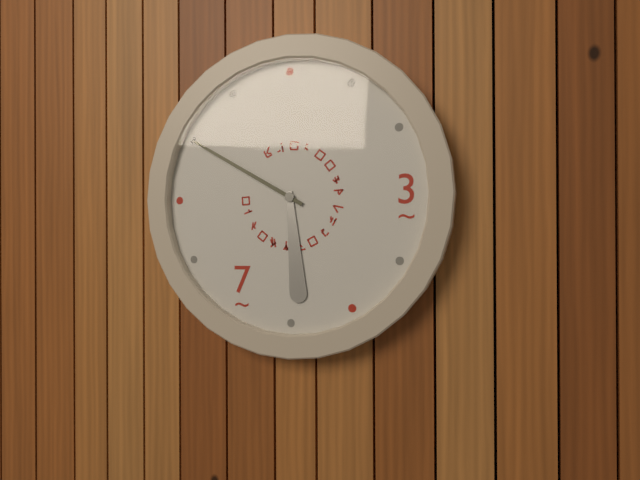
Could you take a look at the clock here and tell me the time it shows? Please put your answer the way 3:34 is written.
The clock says 5:50
